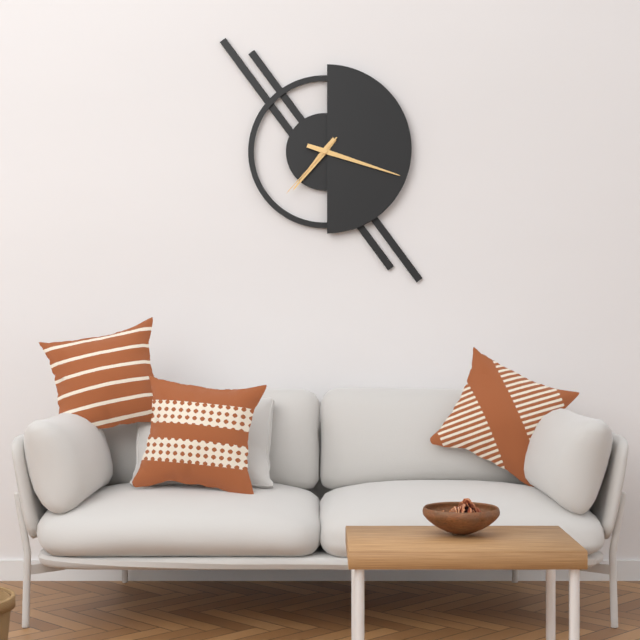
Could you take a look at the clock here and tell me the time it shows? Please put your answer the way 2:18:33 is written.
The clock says 7:18:37
